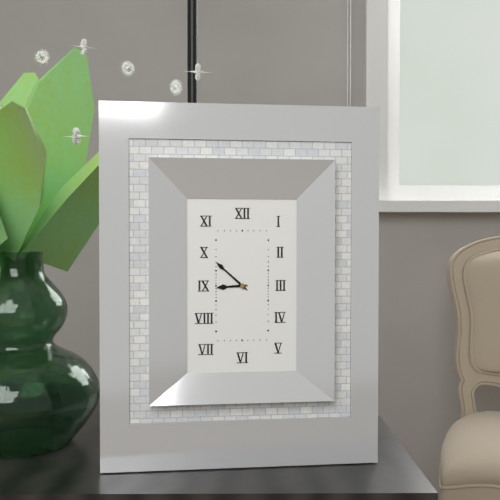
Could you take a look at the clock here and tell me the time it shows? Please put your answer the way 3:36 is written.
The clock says 8:52
